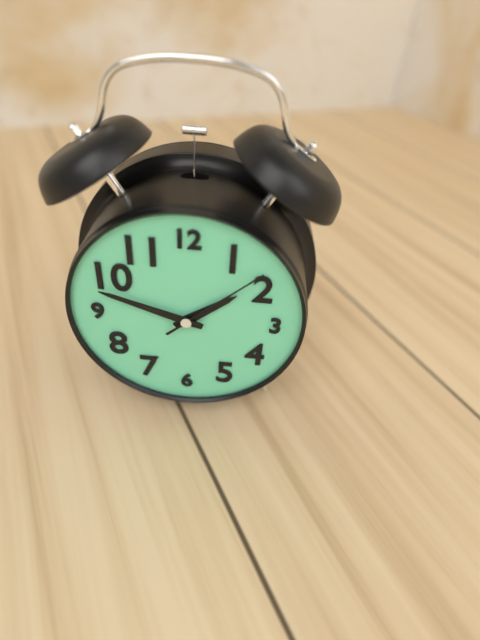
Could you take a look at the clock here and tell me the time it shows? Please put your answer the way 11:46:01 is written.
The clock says 1:48:08
